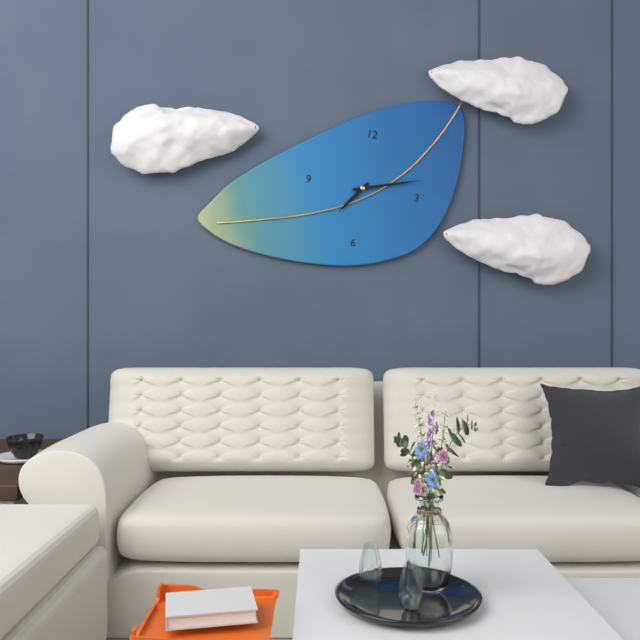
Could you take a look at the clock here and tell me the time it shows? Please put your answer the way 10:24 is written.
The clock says 7:12
